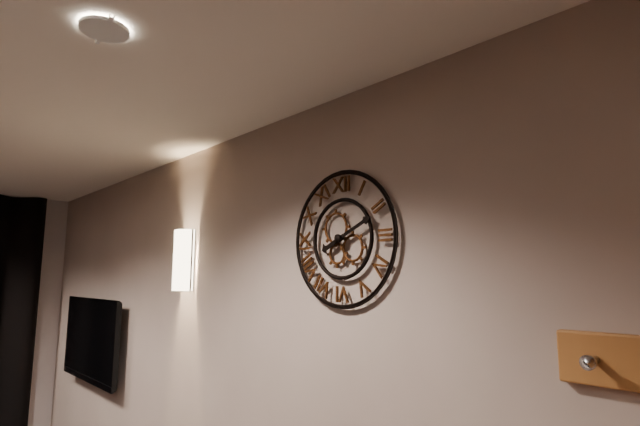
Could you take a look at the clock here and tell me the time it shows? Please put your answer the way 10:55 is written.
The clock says 8:11
